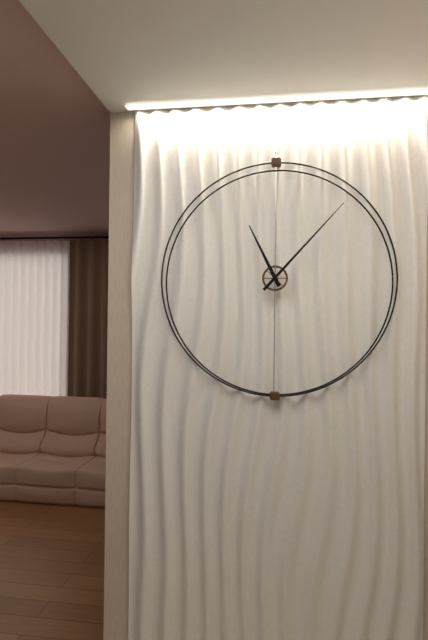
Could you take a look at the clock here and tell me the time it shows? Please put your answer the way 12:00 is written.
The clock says 11:07
